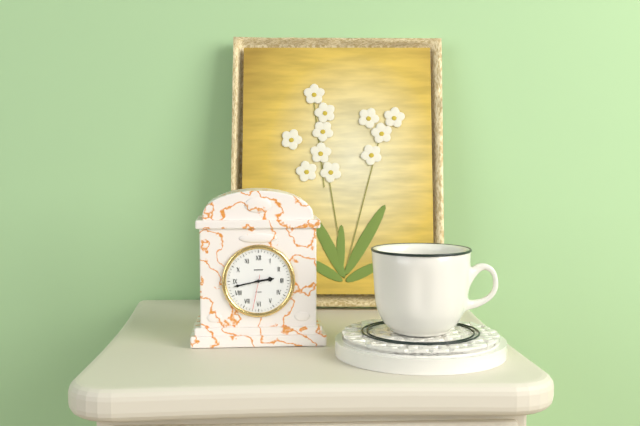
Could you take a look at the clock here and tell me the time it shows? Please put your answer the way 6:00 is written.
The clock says 2:43
